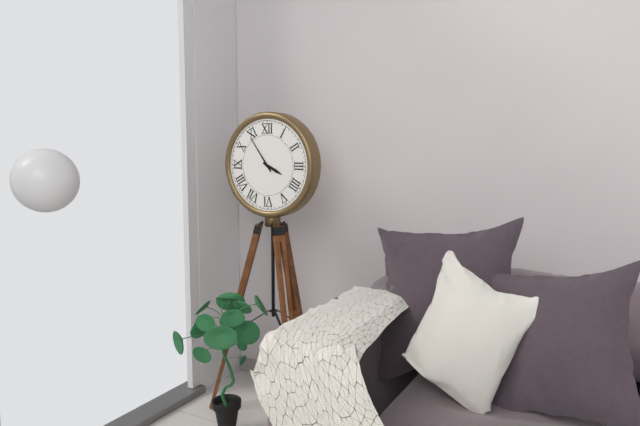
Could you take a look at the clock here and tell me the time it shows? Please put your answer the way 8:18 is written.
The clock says 3:54
